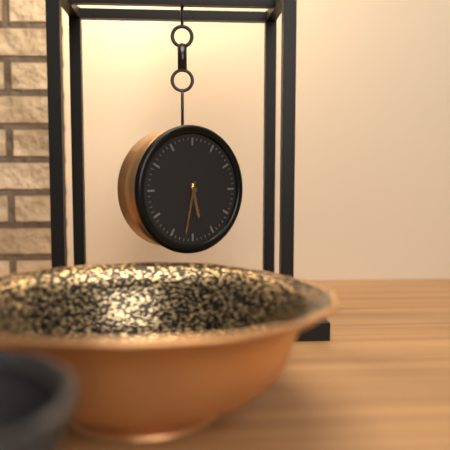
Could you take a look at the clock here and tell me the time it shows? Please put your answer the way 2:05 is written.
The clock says 5:32
